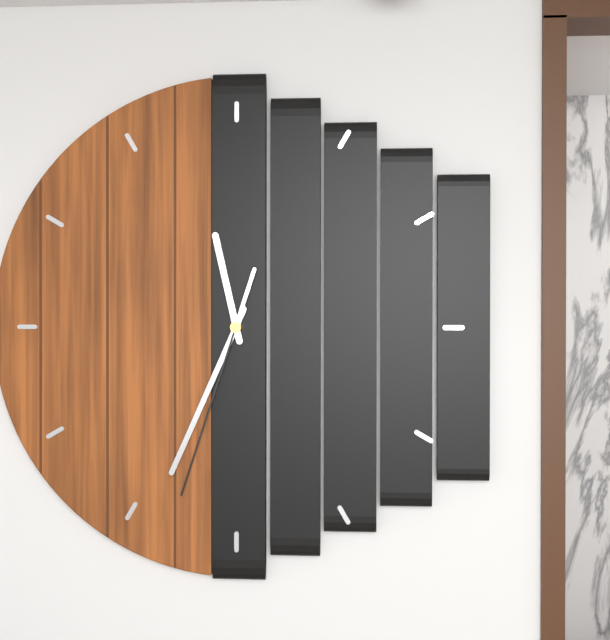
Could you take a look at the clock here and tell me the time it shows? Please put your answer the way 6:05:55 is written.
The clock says 11:34:33
